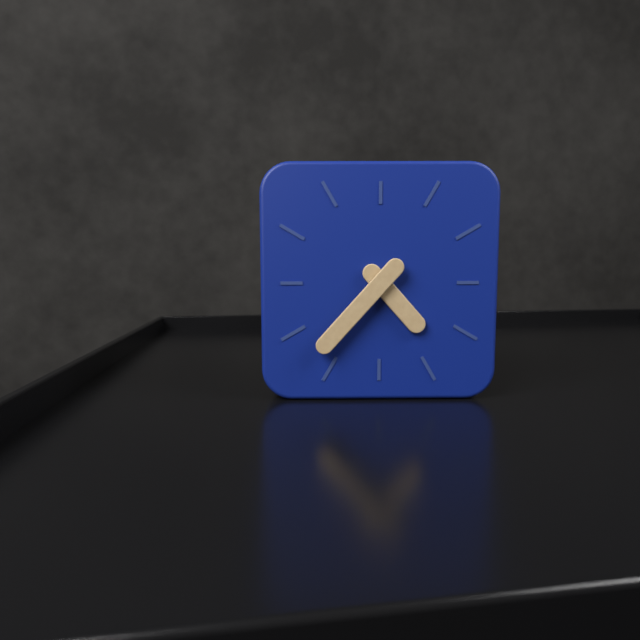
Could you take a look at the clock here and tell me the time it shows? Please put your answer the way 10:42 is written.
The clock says 4:37
